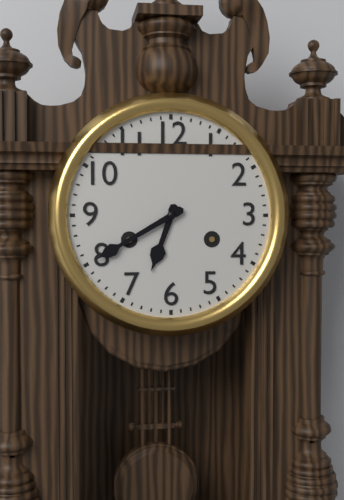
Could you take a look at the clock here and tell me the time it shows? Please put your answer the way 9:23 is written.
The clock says 6:40
